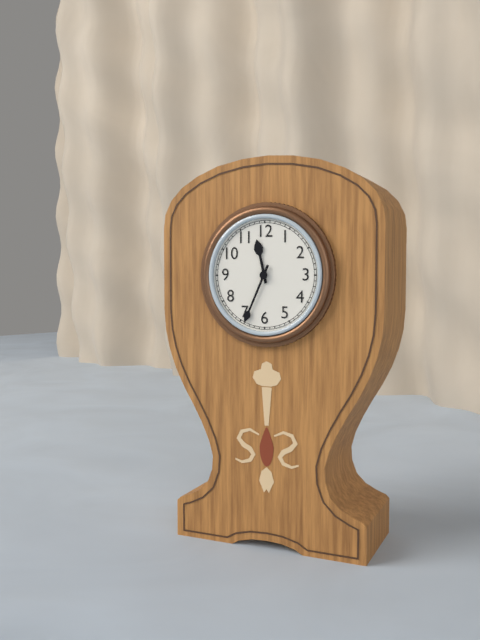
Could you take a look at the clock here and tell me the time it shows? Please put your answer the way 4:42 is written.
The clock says 11:34
